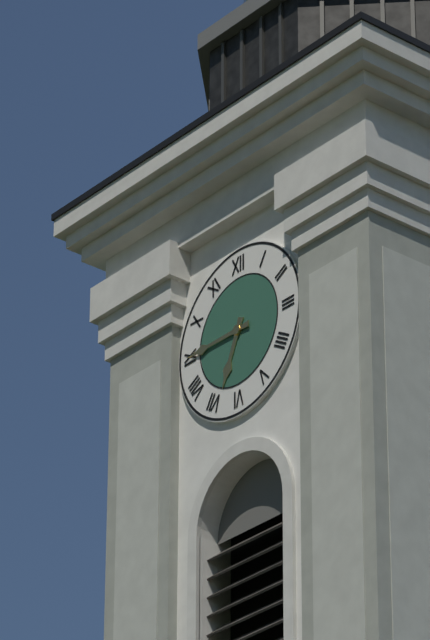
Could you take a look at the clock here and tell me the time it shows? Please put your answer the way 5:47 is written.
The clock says 6:45
